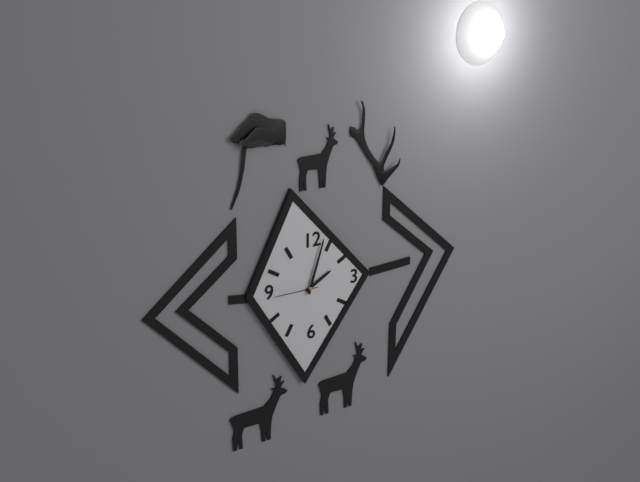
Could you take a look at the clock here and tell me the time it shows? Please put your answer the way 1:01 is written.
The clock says 2:03
